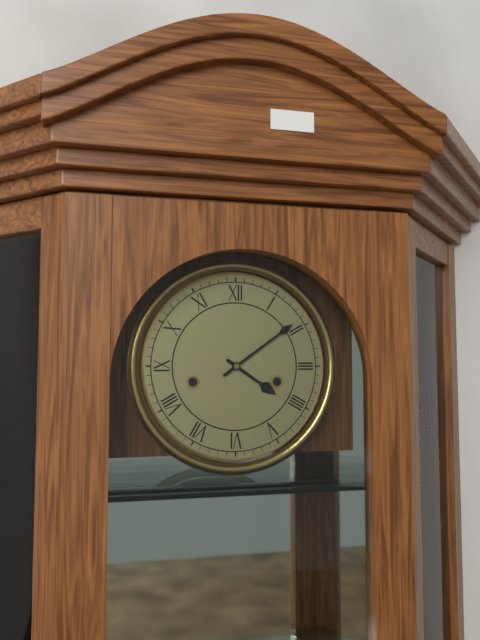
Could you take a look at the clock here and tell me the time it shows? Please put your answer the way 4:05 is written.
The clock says 4:09
